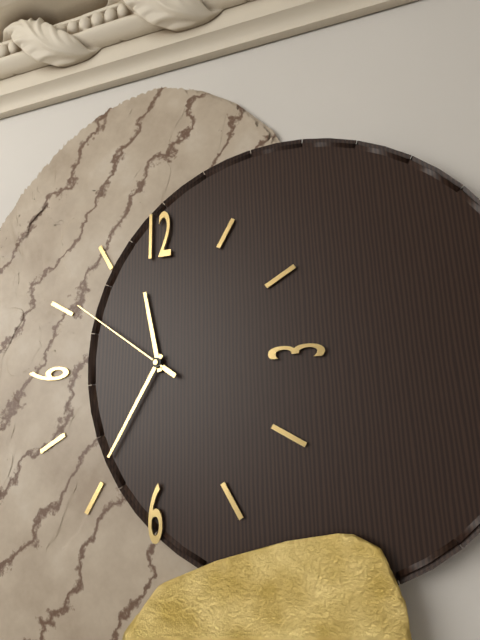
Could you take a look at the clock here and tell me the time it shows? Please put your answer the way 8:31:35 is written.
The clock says 11:35:51
